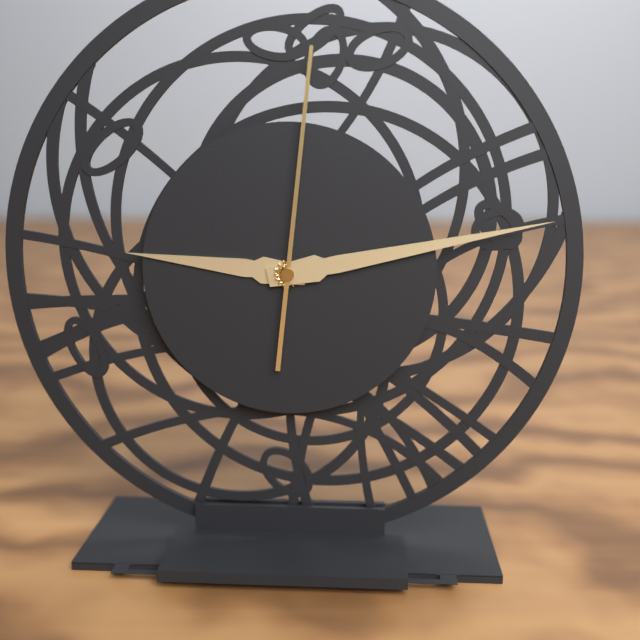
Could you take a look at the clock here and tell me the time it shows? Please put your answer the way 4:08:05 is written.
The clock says 9:13:01
